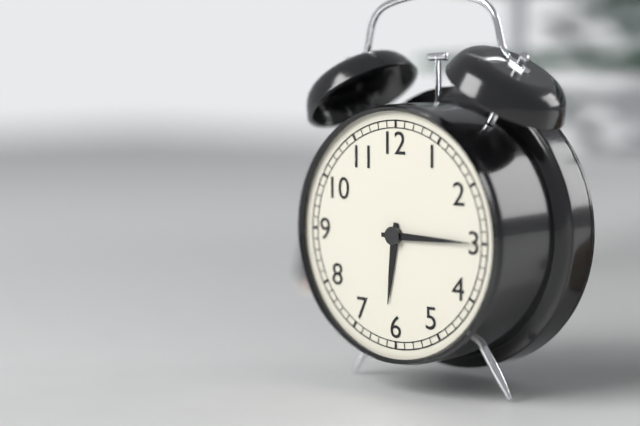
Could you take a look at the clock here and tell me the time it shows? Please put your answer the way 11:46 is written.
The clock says 6:15
